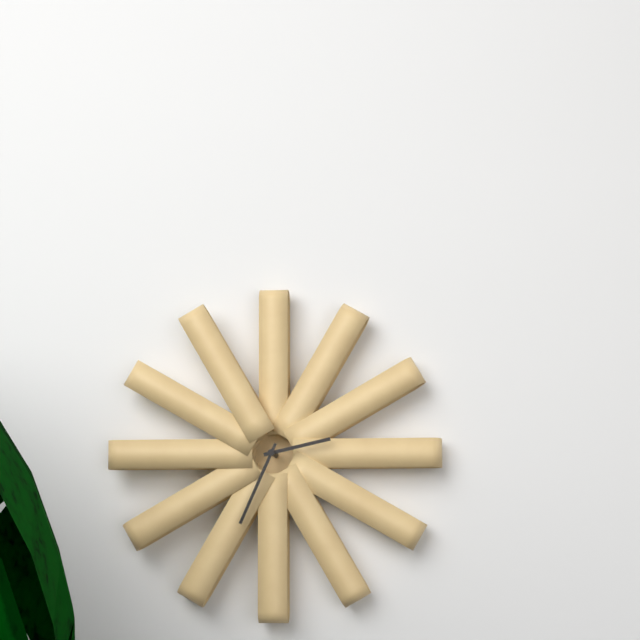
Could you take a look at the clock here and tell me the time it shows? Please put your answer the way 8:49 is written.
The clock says 2:34
